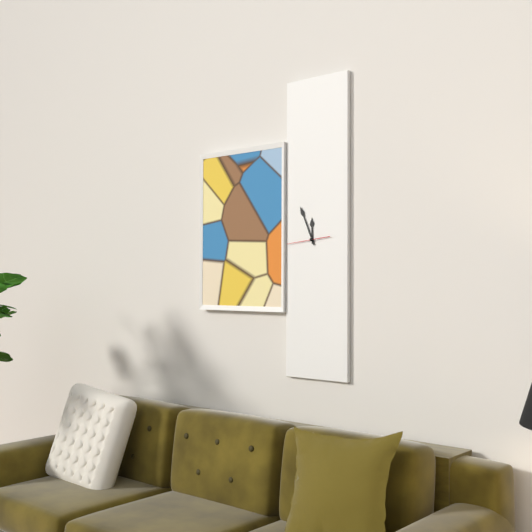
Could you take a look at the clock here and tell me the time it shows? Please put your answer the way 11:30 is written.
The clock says 11:56
